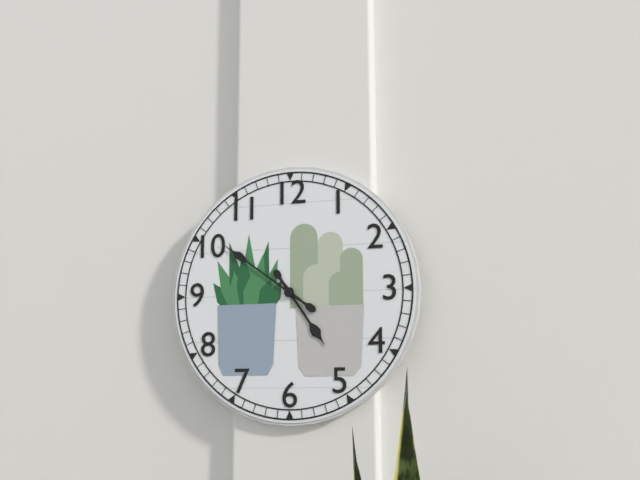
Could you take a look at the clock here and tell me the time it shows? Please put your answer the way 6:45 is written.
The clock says 4:51
